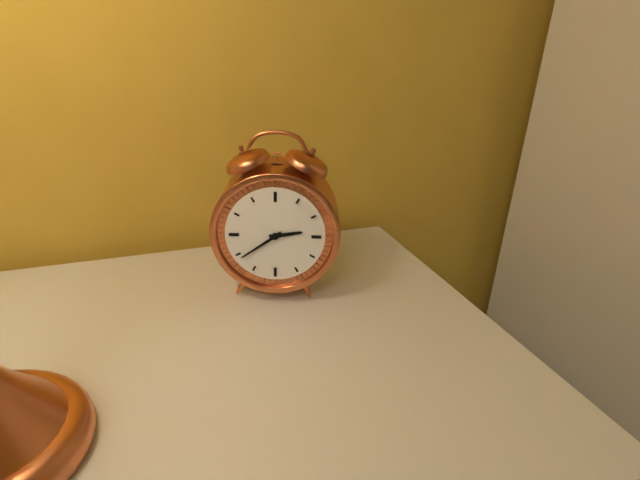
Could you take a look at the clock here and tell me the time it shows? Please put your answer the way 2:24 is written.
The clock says 2:39
